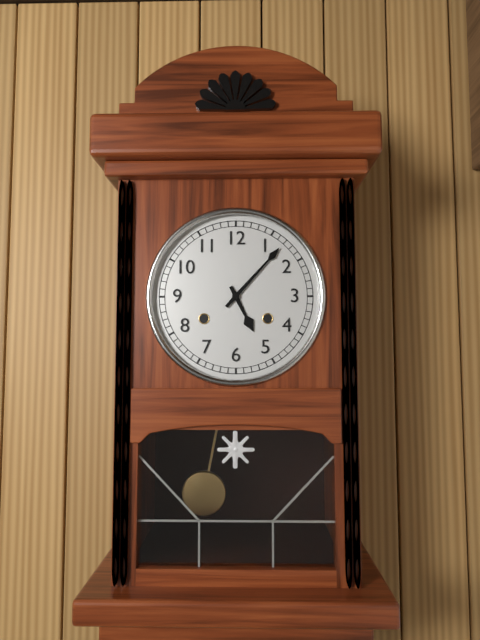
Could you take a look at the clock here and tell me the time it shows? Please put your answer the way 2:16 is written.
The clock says 5:07
